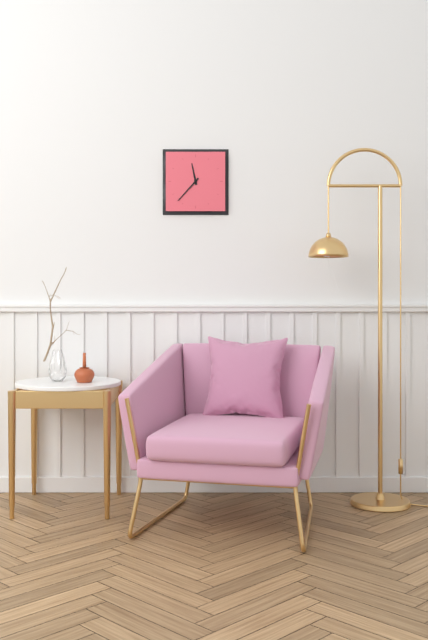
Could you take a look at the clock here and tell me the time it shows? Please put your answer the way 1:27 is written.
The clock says 11:37
